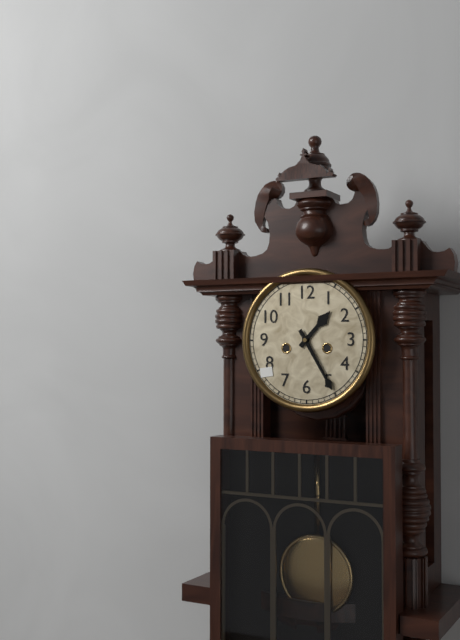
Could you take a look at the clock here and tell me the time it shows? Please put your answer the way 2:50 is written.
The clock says 1:25
